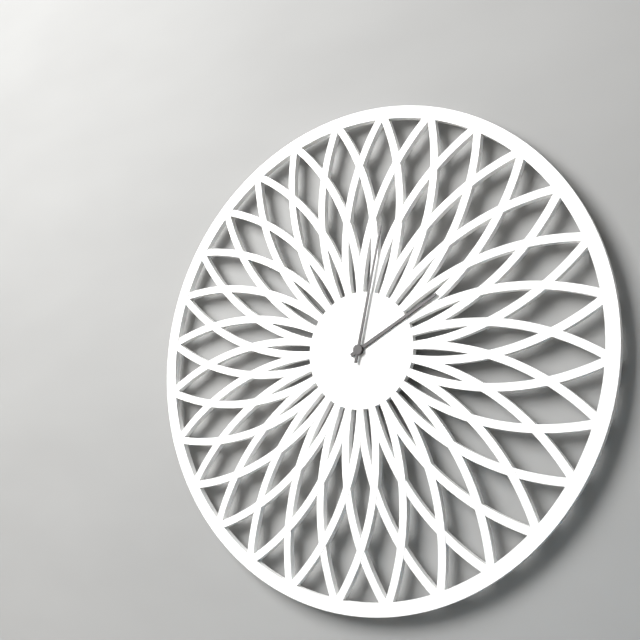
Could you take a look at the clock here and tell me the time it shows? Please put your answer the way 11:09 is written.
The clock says 2:02
